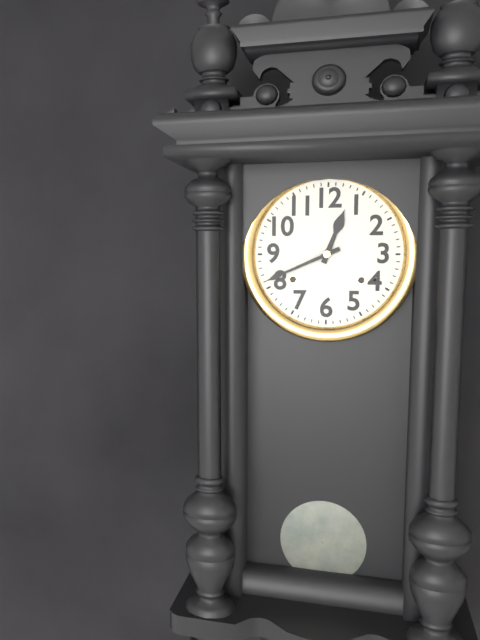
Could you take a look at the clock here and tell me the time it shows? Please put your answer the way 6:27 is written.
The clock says 12:41
